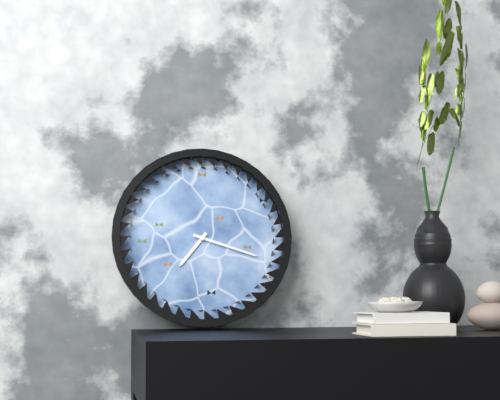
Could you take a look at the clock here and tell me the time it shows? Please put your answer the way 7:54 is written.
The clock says 7:18
